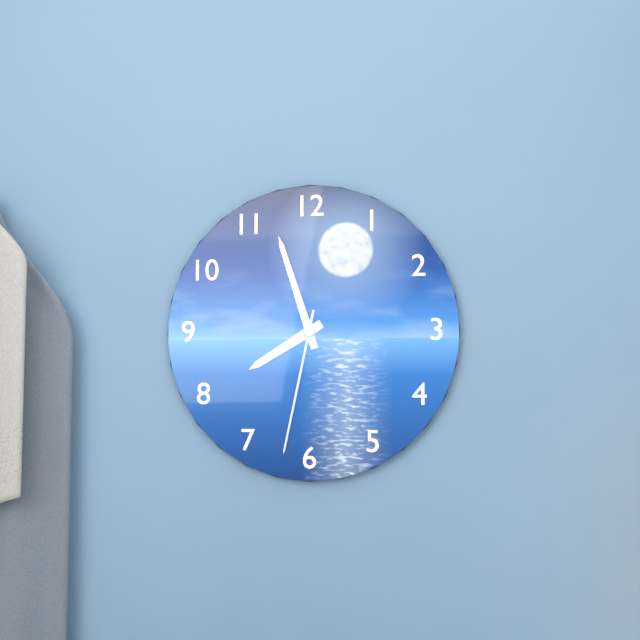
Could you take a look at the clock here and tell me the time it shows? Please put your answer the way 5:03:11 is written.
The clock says 7:57:32
